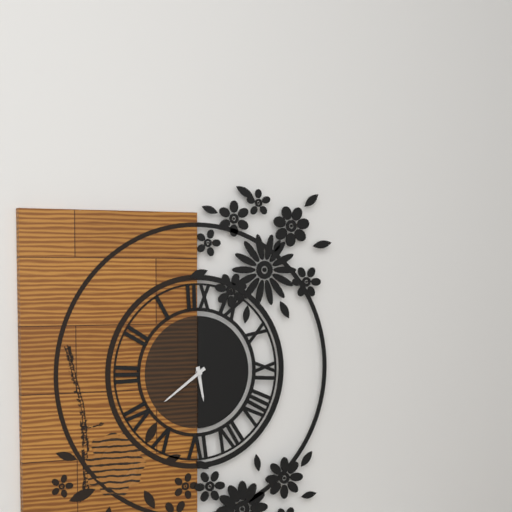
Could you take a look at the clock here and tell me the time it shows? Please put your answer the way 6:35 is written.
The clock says 5:39
